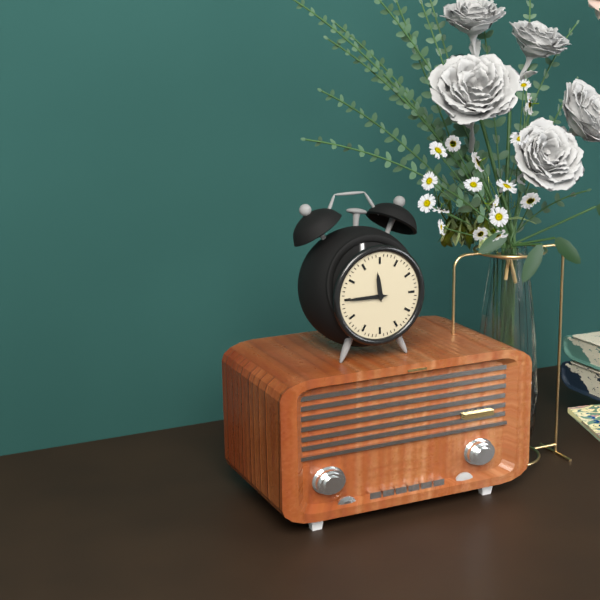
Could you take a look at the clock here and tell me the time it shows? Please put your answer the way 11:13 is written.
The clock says 11:45
